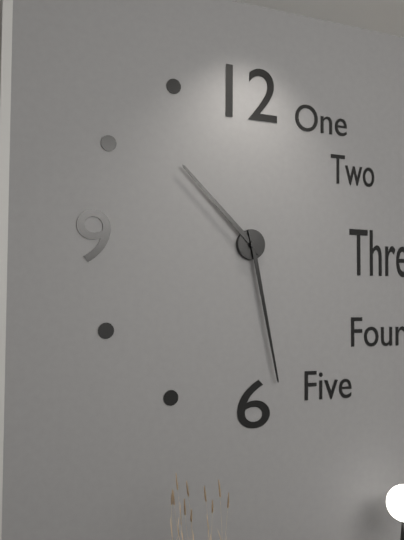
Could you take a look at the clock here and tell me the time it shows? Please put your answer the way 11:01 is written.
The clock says 10:28
